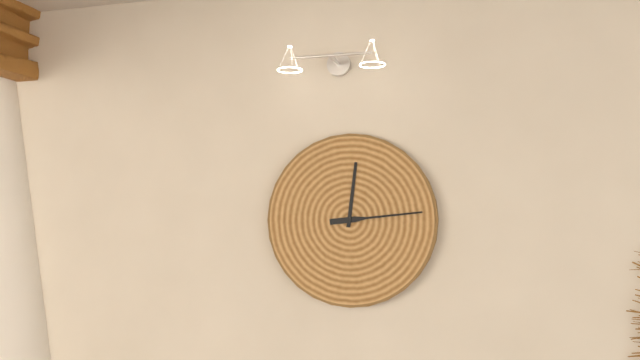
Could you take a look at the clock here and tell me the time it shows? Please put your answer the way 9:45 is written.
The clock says 12:14
